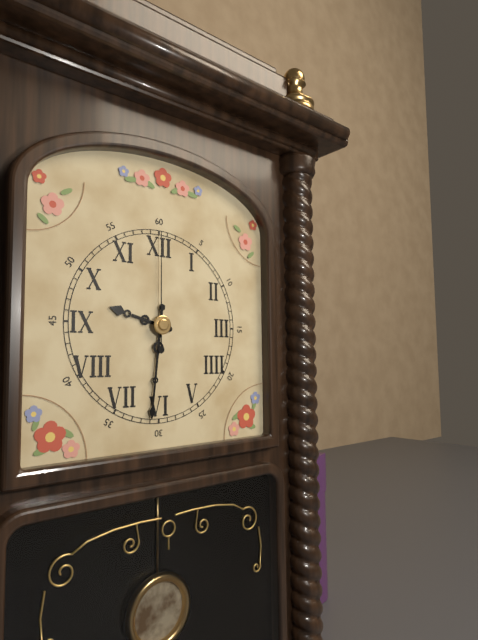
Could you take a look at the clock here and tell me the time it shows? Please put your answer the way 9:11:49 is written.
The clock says 9:31:00
